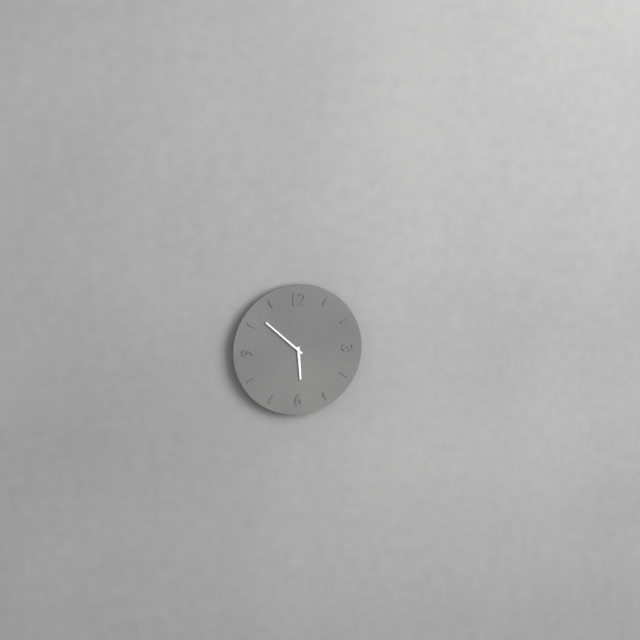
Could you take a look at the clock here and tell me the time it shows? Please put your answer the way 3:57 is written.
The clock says 5:52
